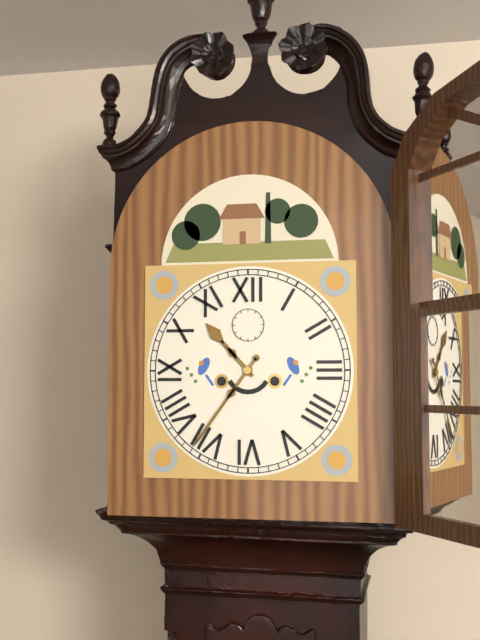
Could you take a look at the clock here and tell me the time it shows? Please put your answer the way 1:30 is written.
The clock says 10:36
